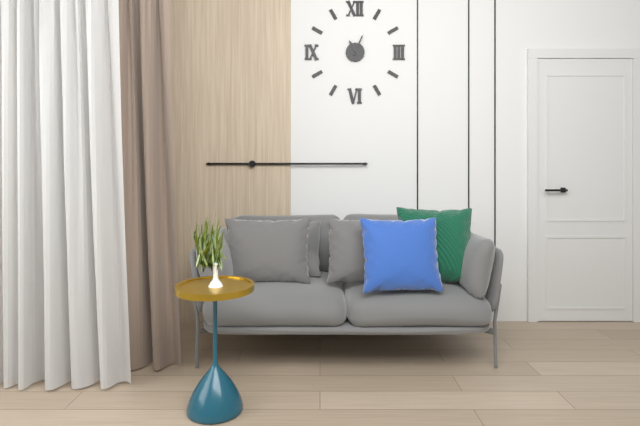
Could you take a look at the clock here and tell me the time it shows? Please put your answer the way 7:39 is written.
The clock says 11:04
